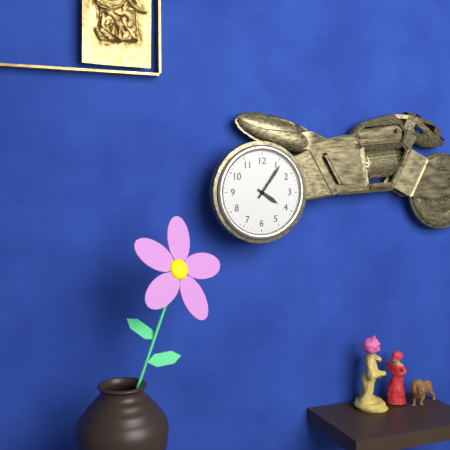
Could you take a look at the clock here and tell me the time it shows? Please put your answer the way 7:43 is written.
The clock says 4:06
